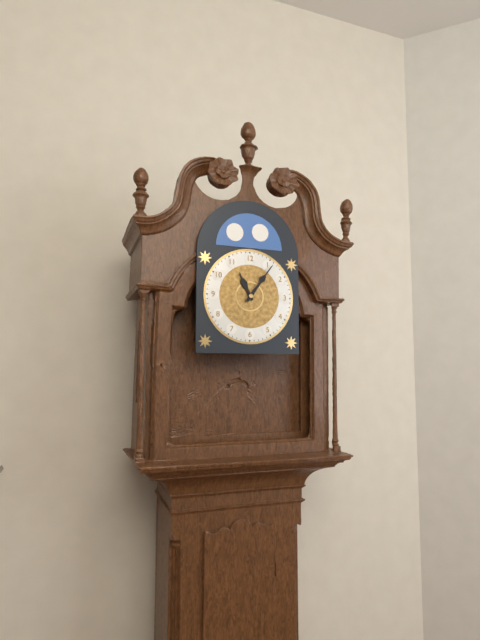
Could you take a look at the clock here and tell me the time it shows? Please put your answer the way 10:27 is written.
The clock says 11:06
